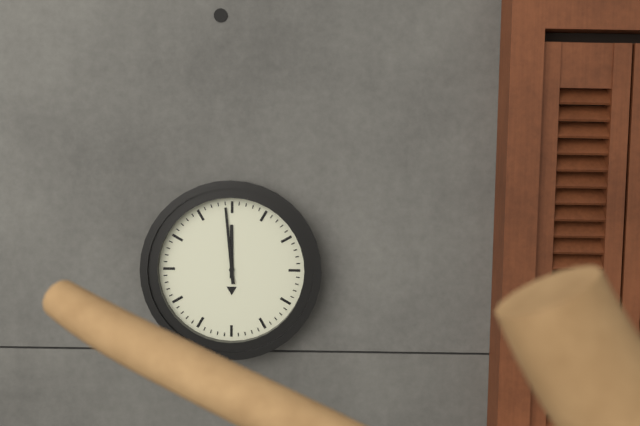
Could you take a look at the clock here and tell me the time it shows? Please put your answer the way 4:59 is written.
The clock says 11:59
